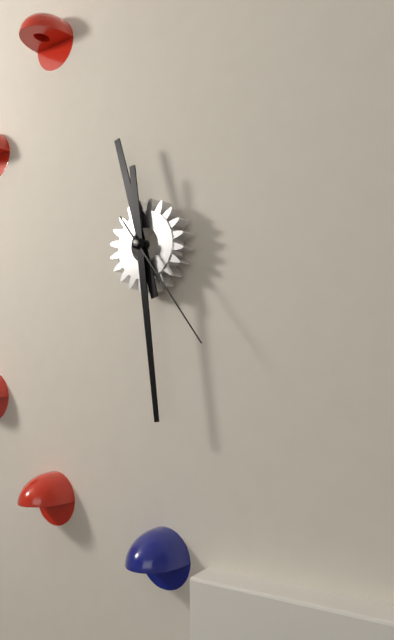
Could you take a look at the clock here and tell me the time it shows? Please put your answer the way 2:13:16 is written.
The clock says 11:29:24
